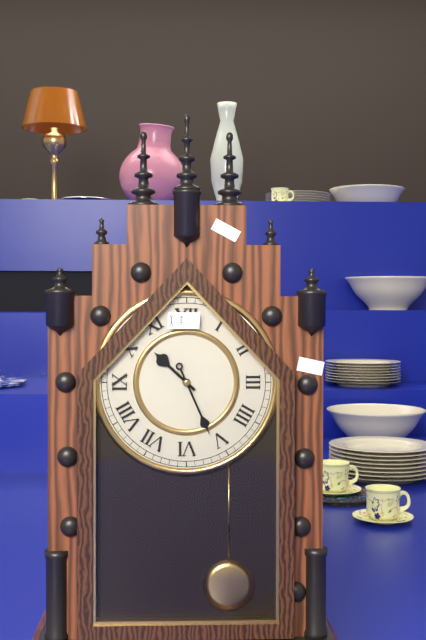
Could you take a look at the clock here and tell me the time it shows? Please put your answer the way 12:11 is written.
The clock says 10:26
